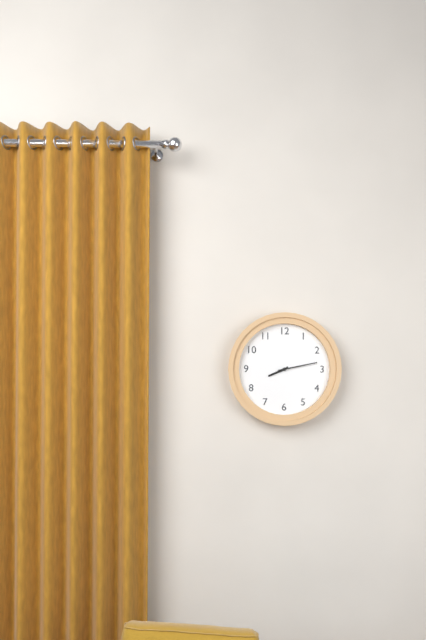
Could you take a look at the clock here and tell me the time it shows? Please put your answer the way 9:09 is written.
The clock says 8:13
